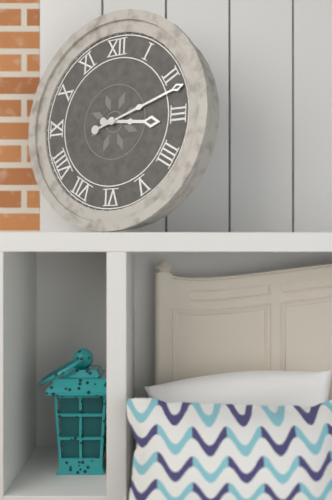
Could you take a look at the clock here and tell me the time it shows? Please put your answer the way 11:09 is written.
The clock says 3:12
